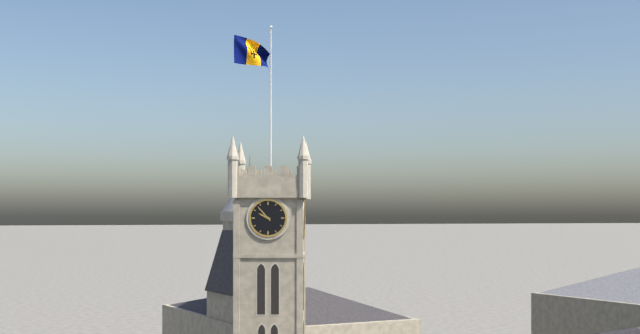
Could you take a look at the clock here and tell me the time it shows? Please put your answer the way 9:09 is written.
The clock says 9:53
